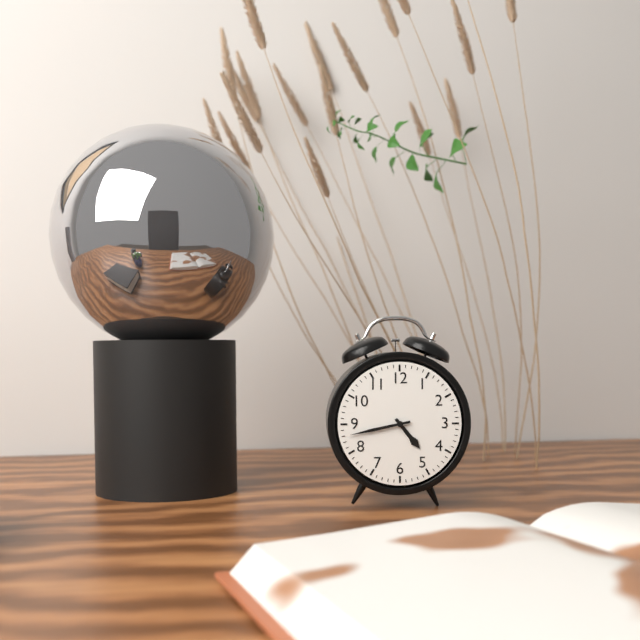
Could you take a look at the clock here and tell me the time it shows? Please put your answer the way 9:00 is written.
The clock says 4:43
